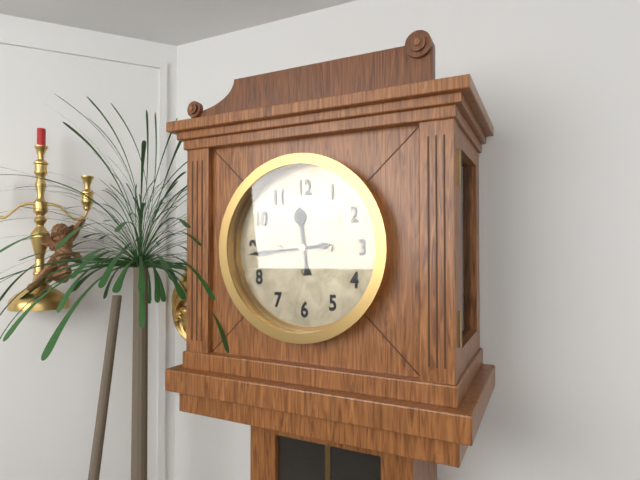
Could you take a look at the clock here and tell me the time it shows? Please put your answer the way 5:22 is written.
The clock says 11:44
